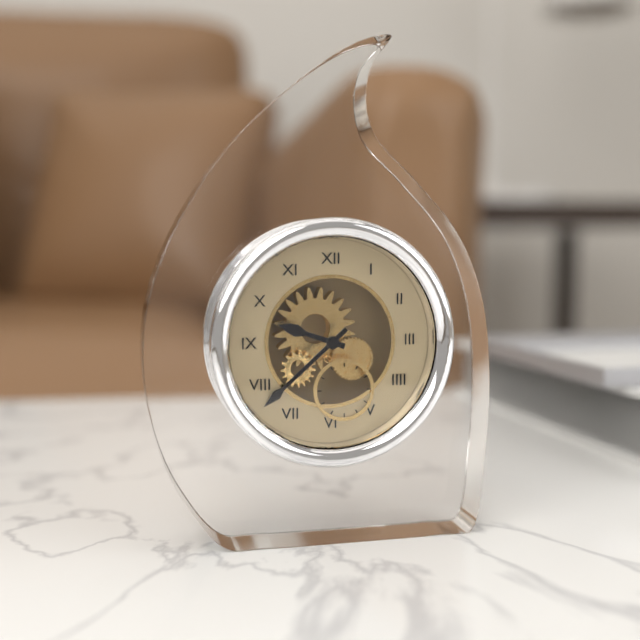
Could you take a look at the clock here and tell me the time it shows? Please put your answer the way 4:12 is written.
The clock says 9:38
